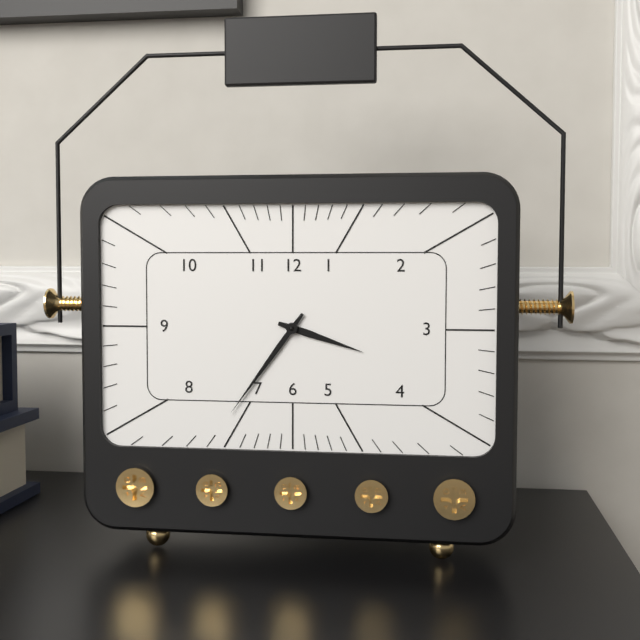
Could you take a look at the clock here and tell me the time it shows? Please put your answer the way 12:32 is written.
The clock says 3:36
